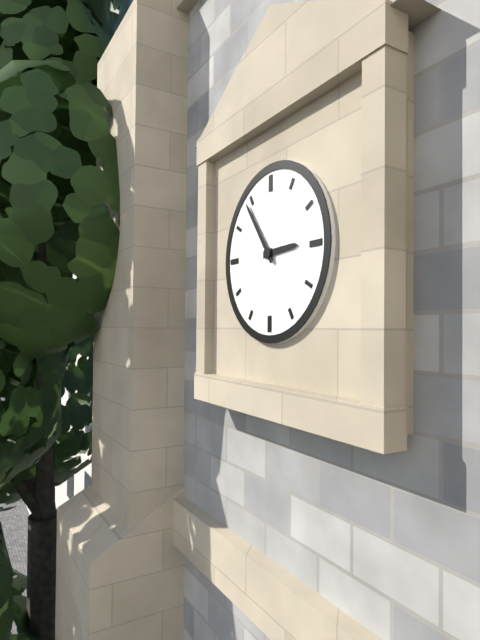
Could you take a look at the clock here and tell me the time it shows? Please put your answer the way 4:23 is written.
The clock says 2:54
